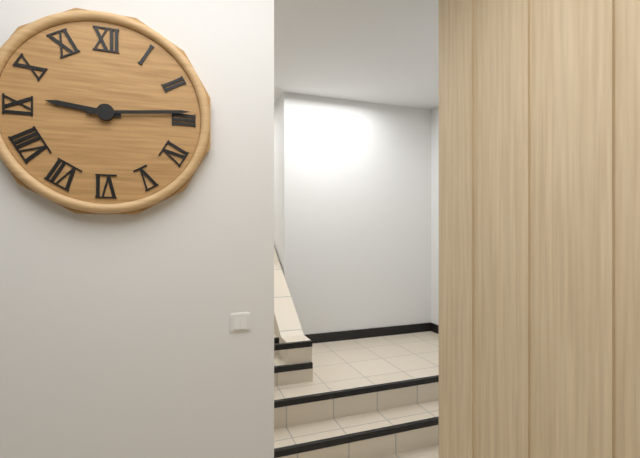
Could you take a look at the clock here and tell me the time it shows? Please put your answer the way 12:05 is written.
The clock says 9:14
